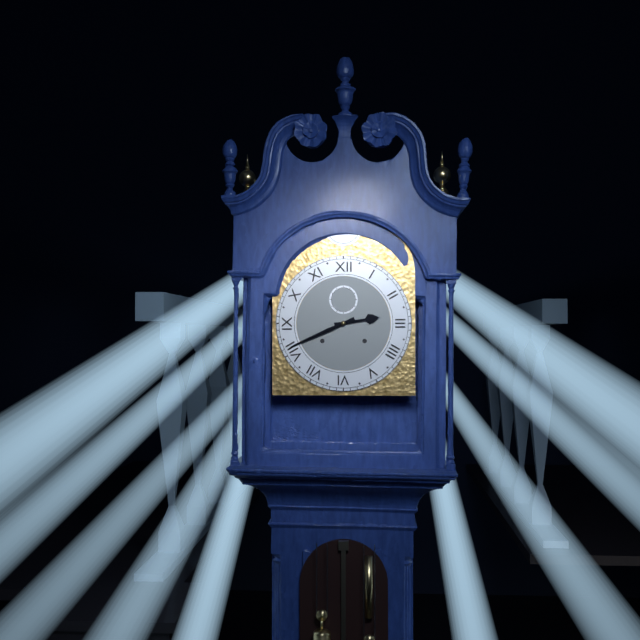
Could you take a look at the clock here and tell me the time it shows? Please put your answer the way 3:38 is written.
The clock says 2:41
